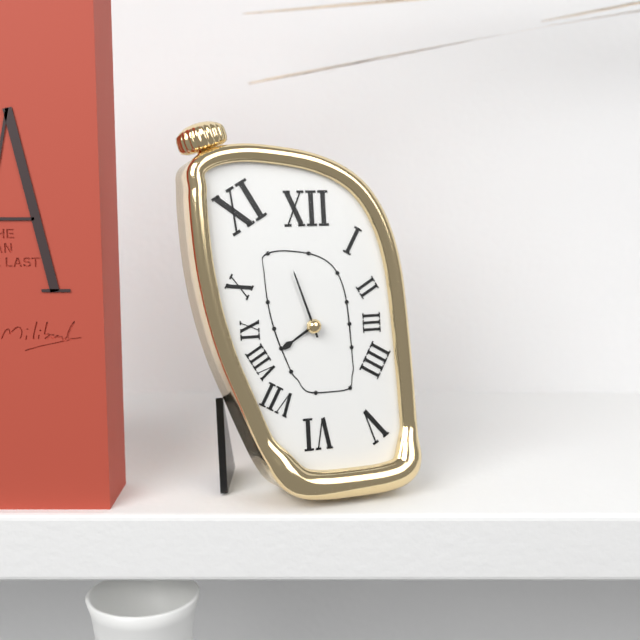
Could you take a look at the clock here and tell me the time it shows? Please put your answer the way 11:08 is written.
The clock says 7:57
